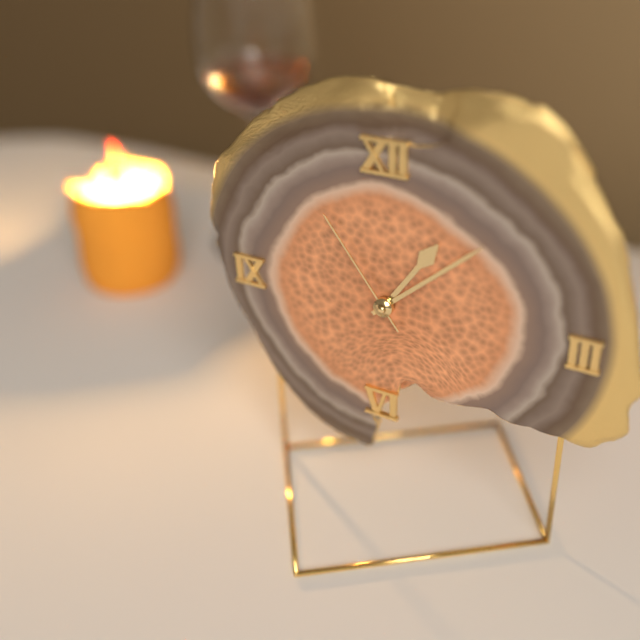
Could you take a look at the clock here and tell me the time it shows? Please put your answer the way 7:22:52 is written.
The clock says 1:08:54
